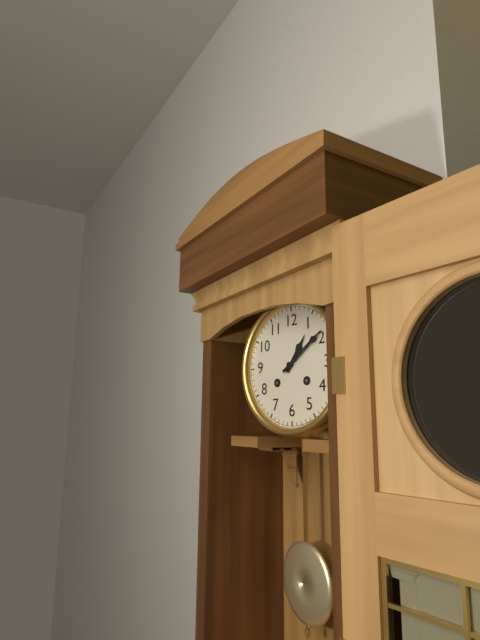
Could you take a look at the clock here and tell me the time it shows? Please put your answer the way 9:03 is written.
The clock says 1:09
